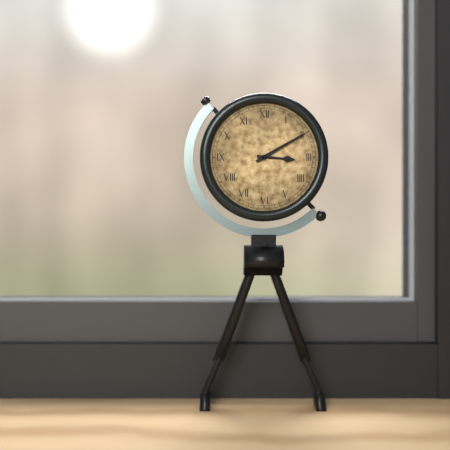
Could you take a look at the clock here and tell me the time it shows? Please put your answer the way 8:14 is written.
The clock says 3:10
